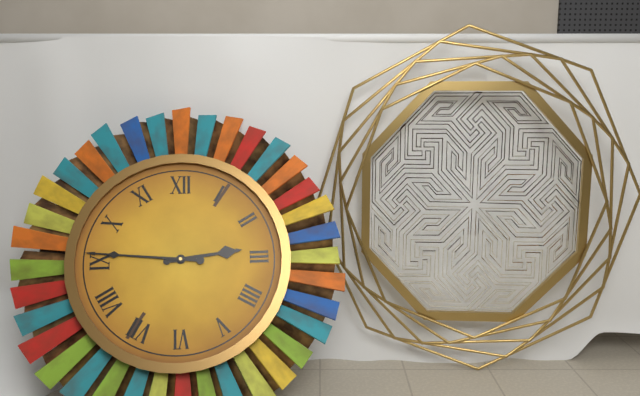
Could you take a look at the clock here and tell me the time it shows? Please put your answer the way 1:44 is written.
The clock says 2:46
